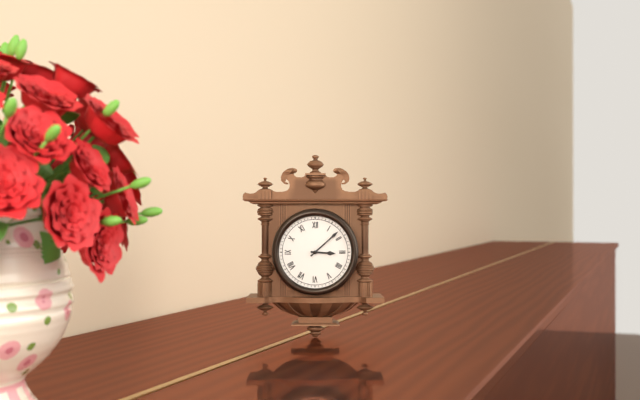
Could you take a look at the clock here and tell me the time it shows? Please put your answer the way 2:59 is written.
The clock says 3:08
